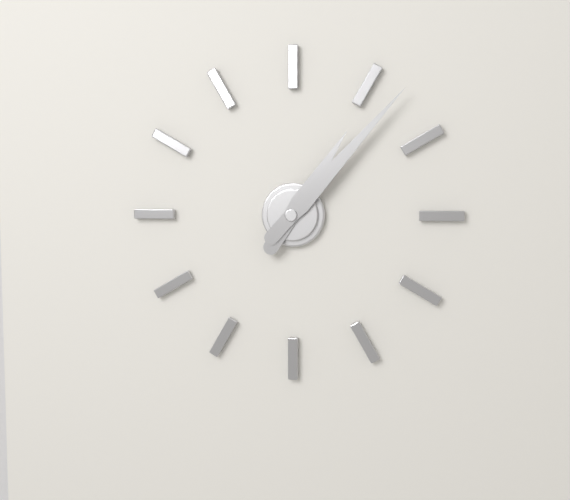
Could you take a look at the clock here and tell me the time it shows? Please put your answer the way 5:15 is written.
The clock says 1:07
